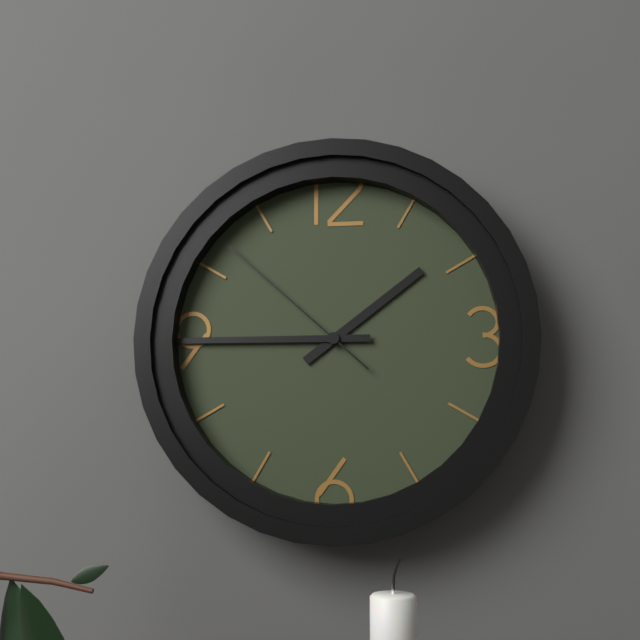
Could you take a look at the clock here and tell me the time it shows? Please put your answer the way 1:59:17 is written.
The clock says 1:45:52
